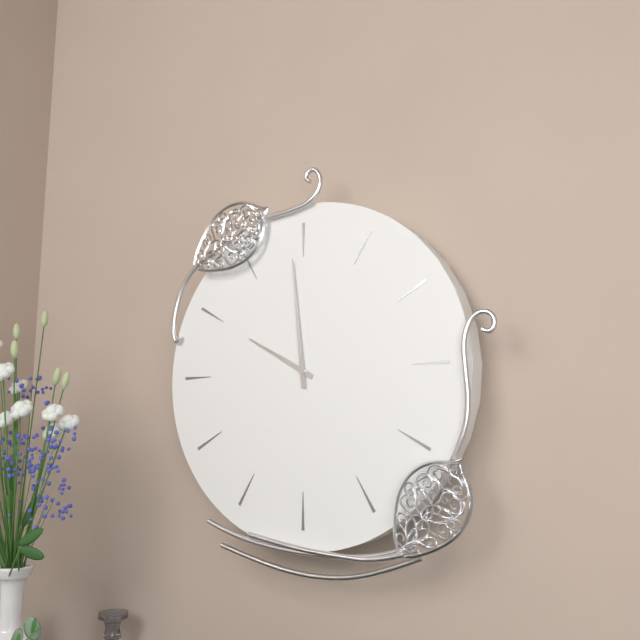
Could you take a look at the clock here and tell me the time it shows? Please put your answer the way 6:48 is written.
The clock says 9:59
